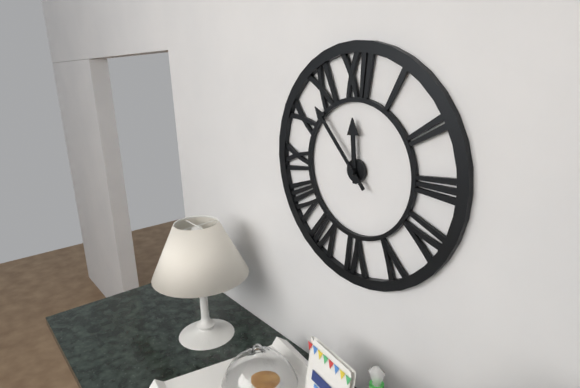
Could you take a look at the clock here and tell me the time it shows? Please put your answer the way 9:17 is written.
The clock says 11:53
